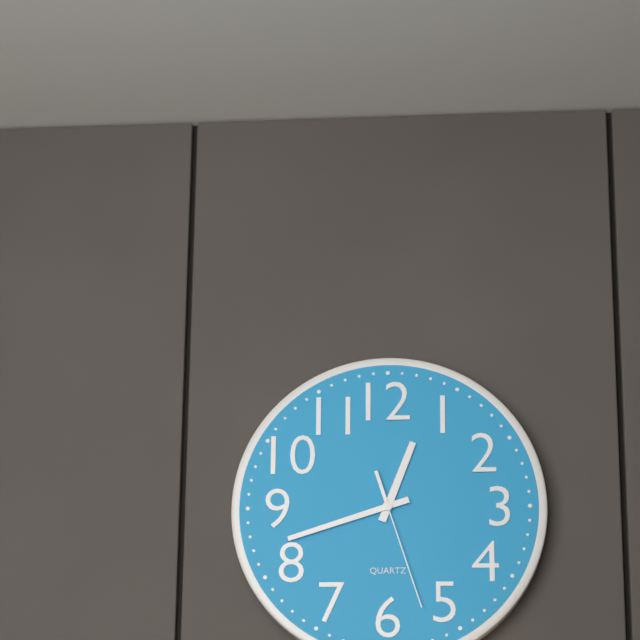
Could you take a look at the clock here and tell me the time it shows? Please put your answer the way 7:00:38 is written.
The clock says 12:42:27
